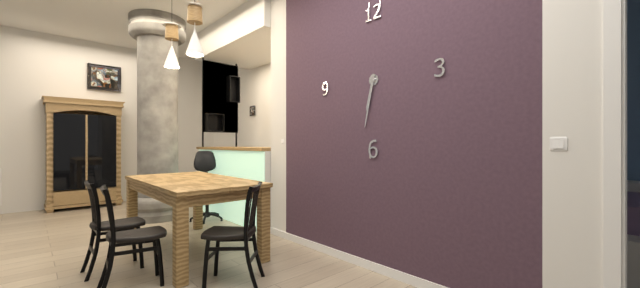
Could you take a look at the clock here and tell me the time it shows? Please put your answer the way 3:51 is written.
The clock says 6:32
